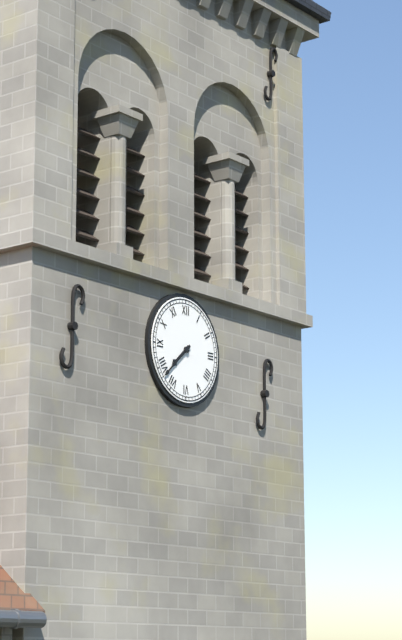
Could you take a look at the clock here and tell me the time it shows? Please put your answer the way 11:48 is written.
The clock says 7:38
